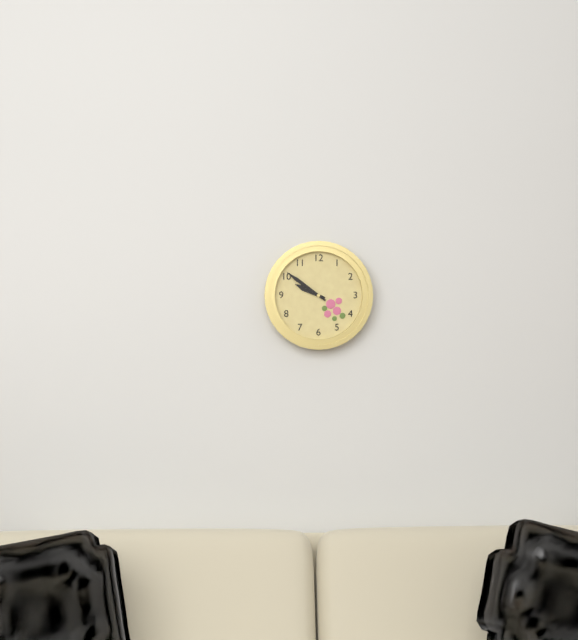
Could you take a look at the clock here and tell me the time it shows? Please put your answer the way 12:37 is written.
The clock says 9:51
